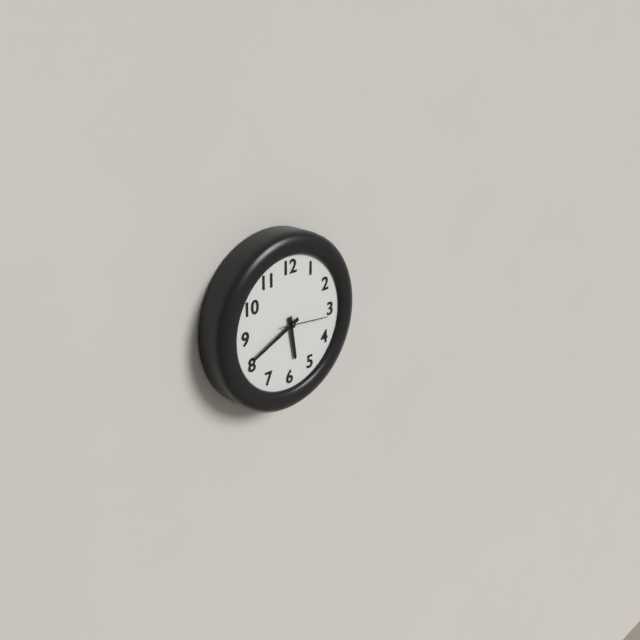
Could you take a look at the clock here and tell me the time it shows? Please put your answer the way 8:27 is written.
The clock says 5:41
